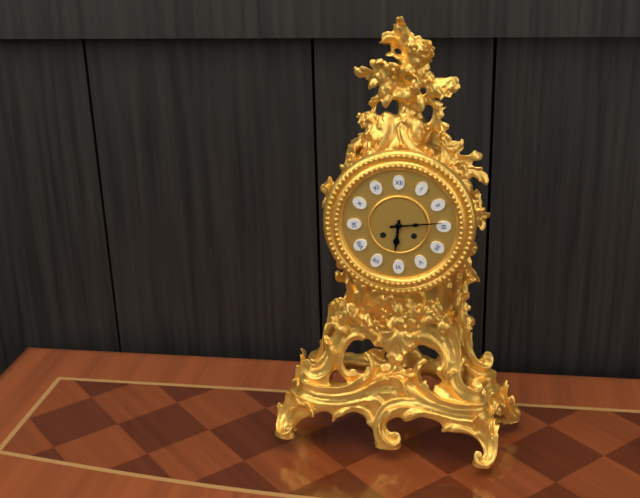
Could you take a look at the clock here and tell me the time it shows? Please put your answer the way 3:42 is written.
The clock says 6:14
